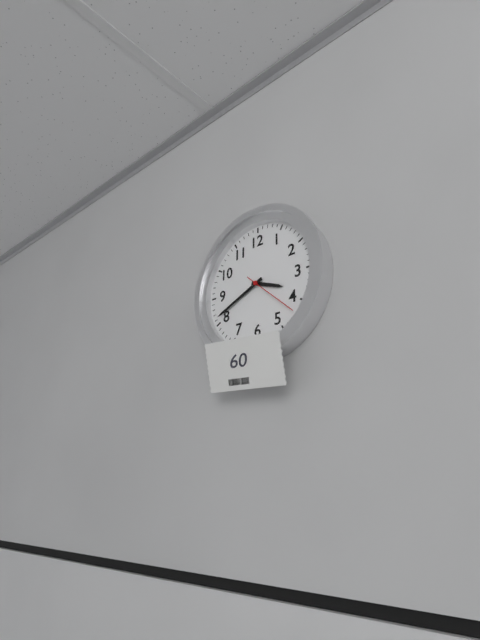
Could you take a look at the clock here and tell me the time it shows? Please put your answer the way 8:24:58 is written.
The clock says 3:41:22
